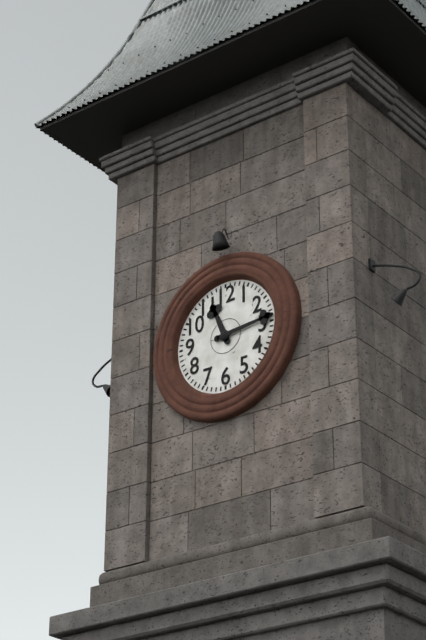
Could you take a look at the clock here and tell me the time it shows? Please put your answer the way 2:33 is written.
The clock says 11:14
